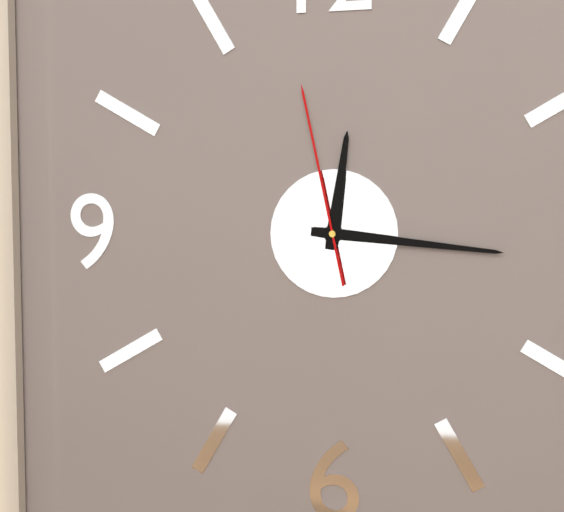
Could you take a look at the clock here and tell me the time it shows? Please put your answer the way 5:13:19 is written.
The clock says 12:16:58
